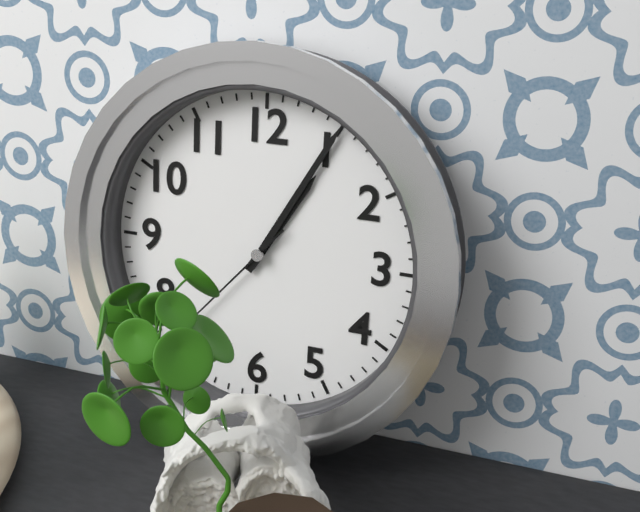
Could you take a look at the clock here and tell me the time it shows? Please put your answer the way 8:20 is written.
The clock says 1:05
